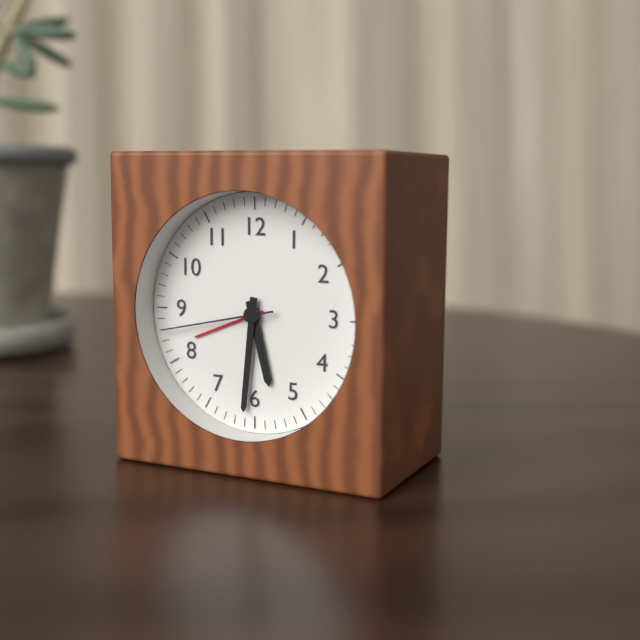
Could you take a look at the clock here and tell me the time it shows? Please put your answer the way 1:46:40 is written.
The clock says 5:31:43
